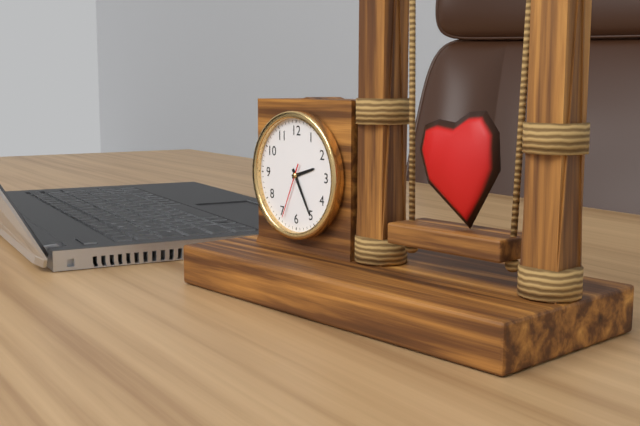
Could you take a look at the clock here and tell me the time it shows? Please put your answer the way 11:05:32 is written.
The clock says 2:25:34
